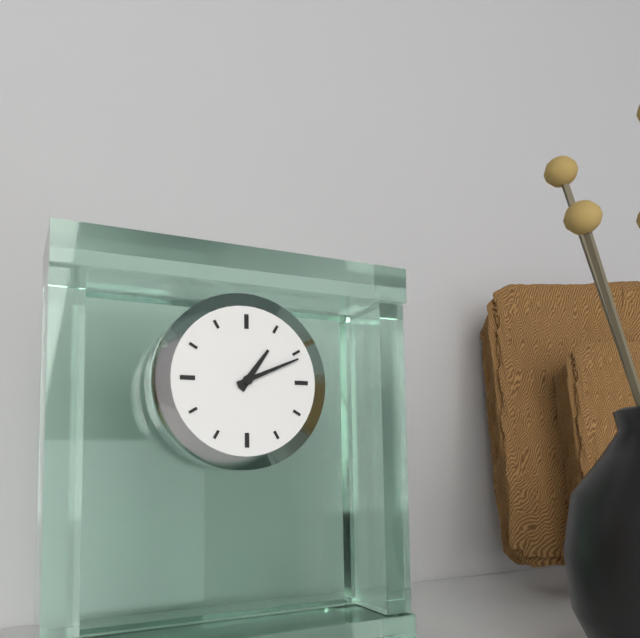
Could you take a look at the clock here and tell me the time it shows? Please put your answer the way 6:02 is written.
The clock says 1:11
